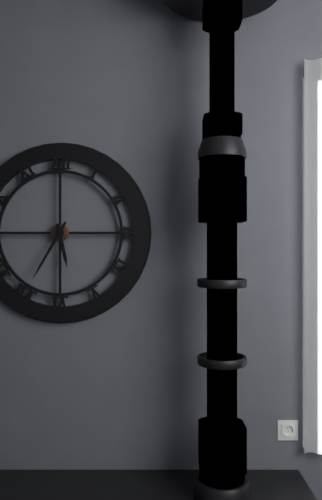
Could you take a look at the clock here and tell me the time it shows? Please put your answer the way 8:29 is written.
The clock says 5:35
